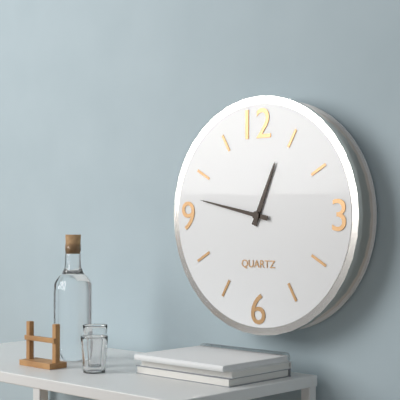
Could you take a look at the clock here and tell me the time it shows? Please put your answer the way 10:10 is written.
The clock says 12:47
